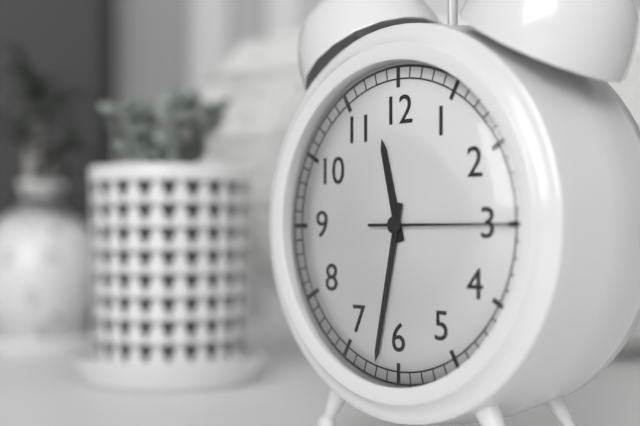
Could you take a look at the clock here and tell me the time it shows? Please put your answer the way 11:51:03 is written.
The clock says 11:32:15
